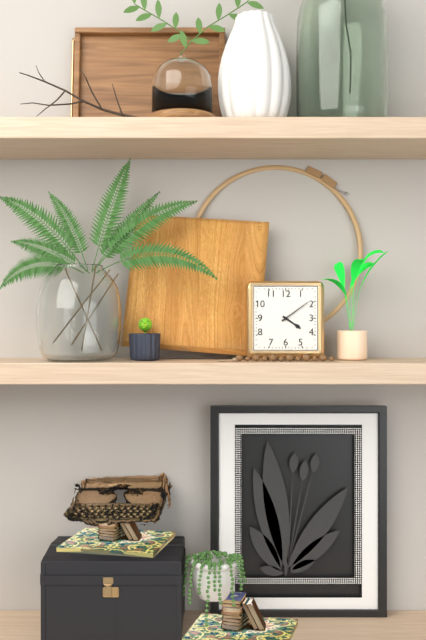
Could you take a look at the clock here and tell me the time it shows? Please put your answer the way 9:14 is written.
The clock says 4:09
